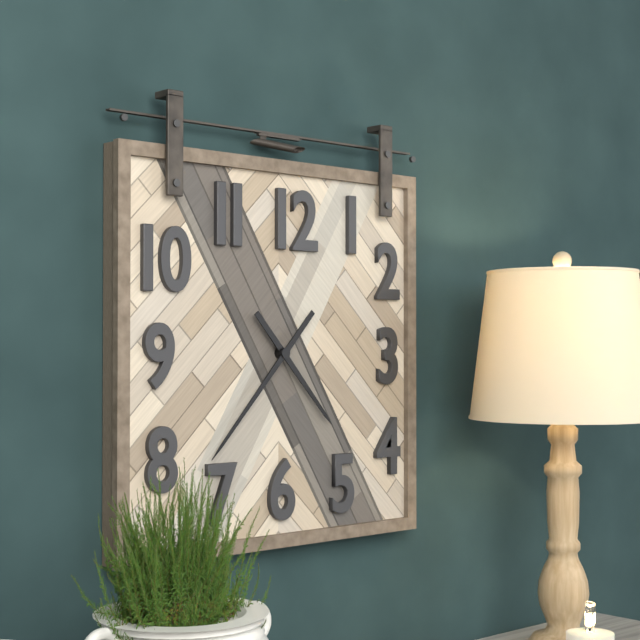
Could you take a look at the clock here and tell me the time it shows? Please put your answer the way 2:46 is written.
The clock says 4:37
